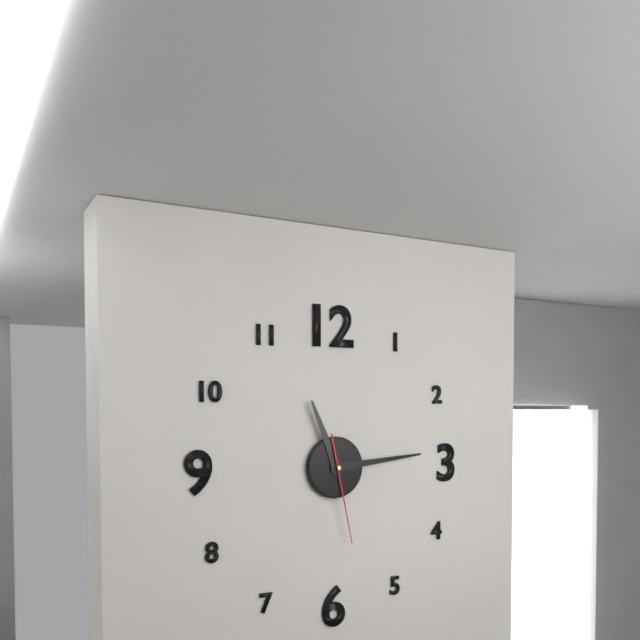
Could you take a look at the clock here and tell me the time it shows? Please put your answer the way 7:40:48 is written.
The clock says 11:14:28
